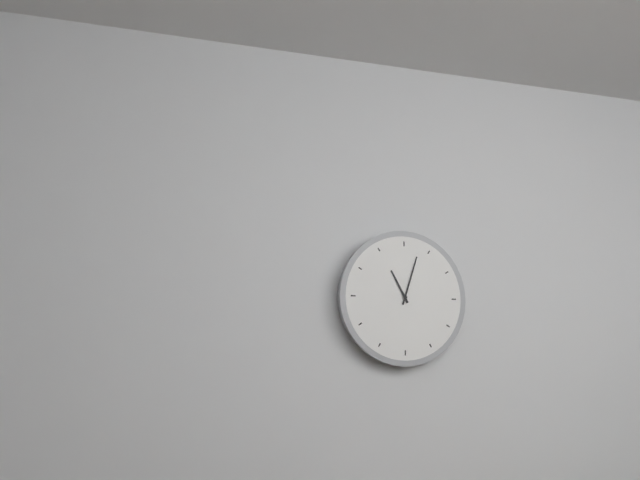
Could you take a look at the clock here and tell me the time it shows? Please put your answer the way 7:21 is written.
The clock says 11:03
